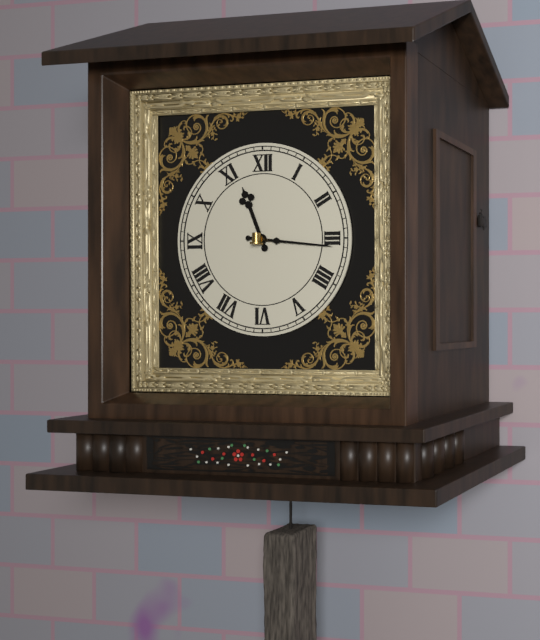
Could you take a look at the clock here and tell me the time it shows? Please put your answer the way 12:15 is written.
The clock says 11:16
